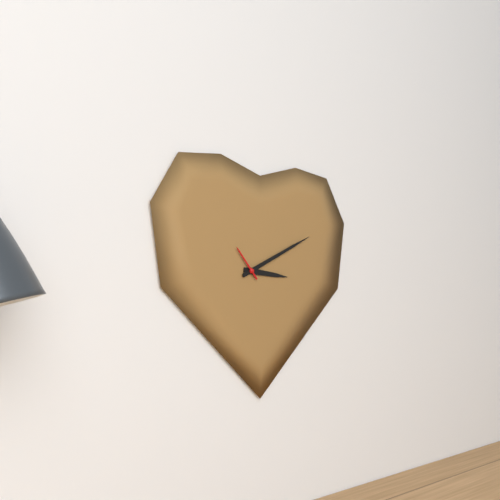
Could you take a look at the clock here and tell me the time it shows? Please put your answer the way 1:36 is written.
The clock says 3:11
